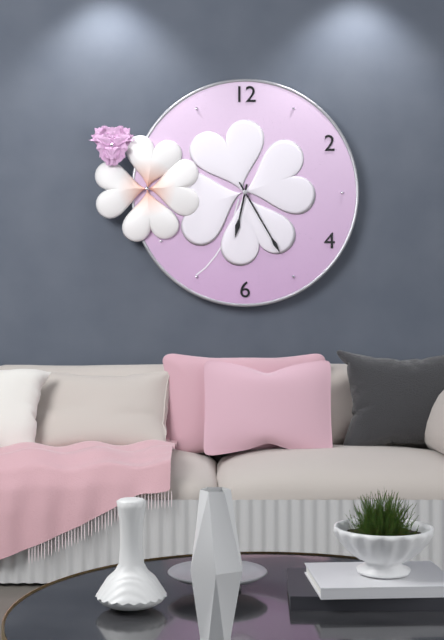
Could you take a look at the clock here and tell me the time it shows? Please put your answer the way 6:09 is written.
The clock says 6:25
